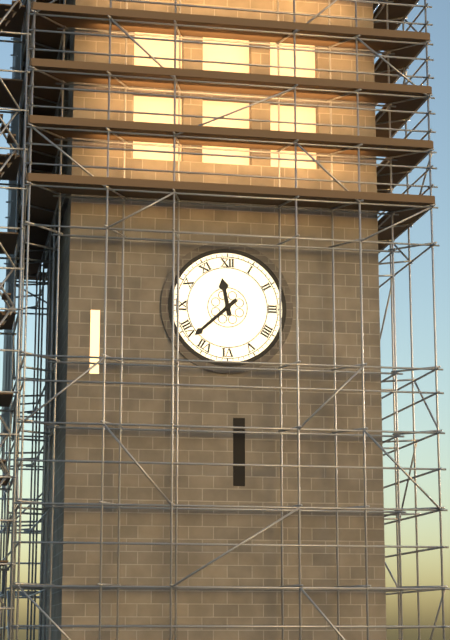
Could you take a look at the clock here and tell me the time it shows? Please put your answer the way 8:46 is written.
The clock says 11:38
